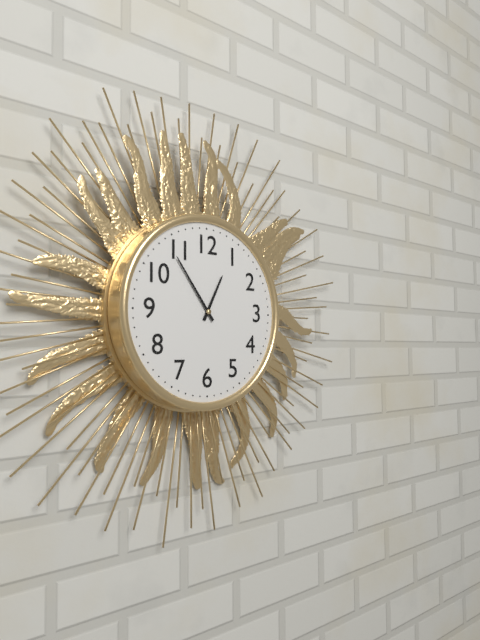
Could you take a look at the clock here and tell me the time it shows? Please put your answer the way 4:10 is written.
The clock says 12:54
